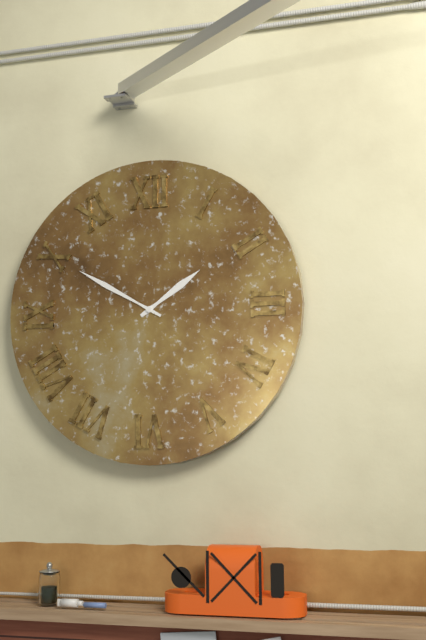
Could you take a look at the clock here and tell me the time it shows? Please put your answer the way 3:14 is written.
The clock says 1:50
